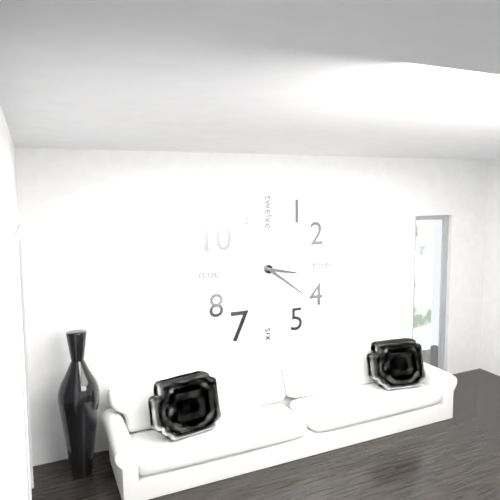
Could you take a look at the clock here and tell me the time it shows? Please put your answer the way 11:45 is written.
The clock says 3:21
